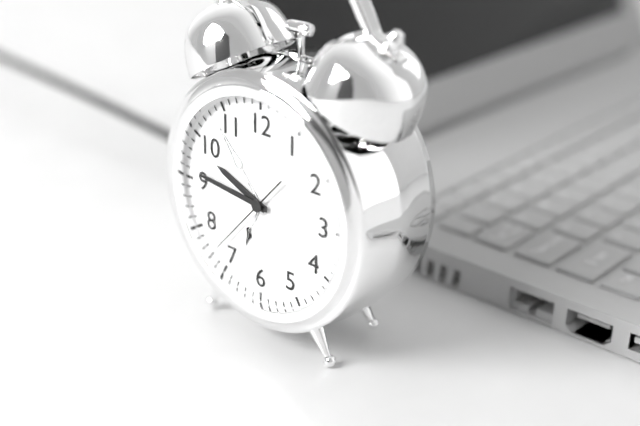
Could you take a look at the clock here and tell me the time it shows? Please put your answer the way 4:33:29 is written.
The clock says 9:46:37
